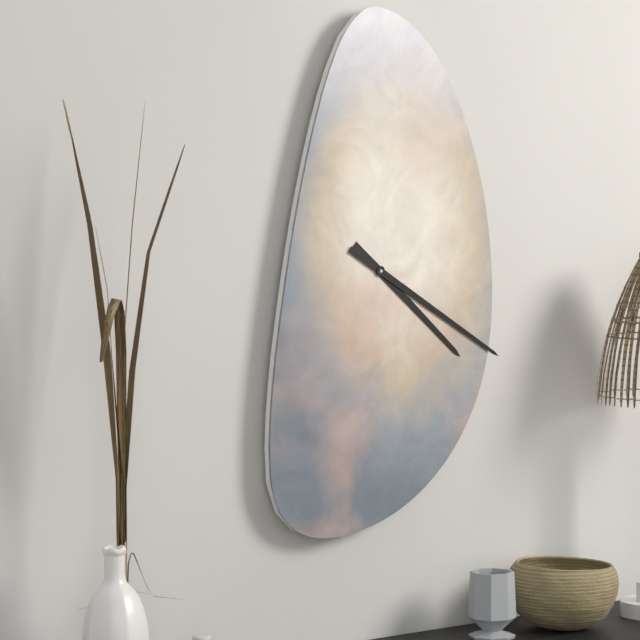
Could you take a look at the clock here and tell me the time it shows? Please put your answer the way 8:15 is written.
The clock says 4:20
